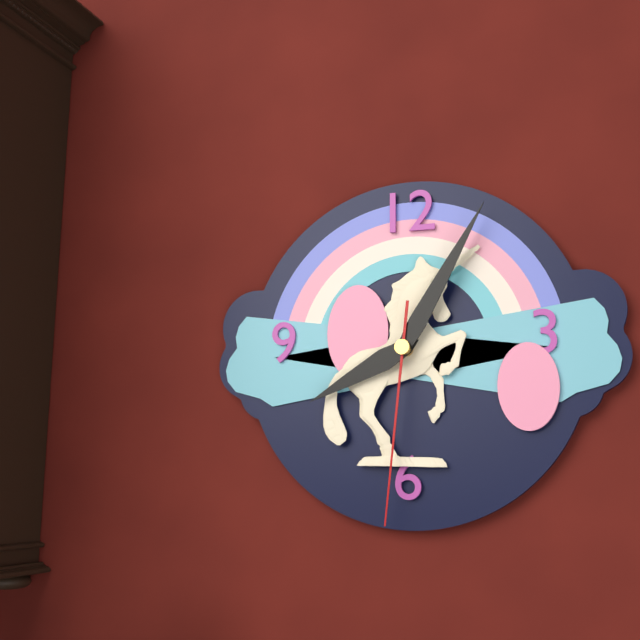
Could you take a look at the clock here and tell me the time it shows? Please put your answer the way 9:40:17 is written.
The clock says 8:05:31
